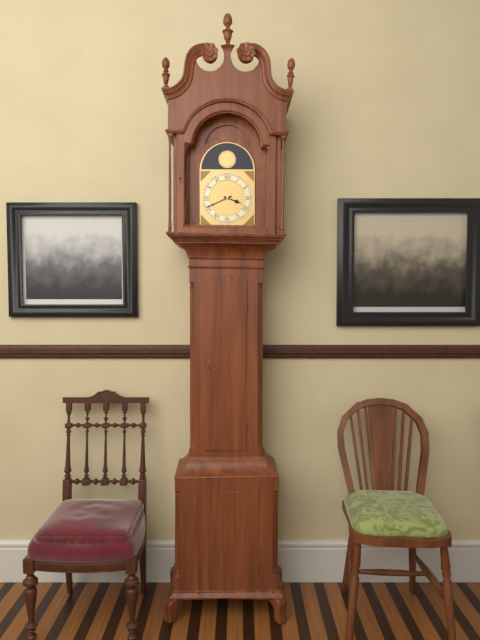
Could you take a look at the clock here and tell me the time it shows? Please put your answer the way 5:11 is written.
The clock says 3:41
